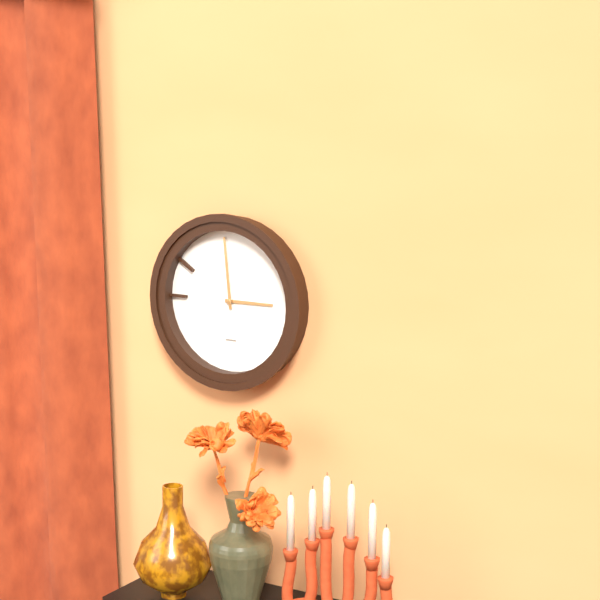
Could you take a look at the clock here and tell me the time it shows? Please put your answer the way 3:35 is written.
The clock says 2:59
